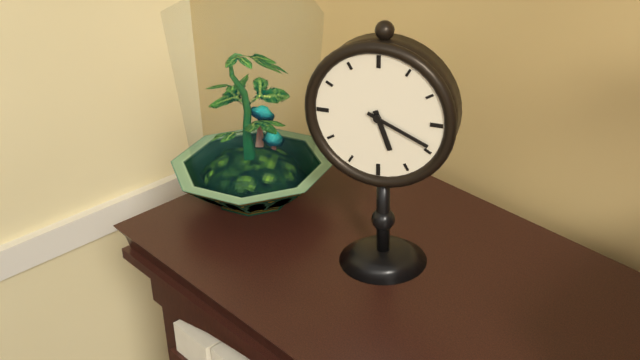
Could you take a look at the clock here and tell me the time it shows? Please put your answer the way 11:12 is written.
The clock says 5:19
